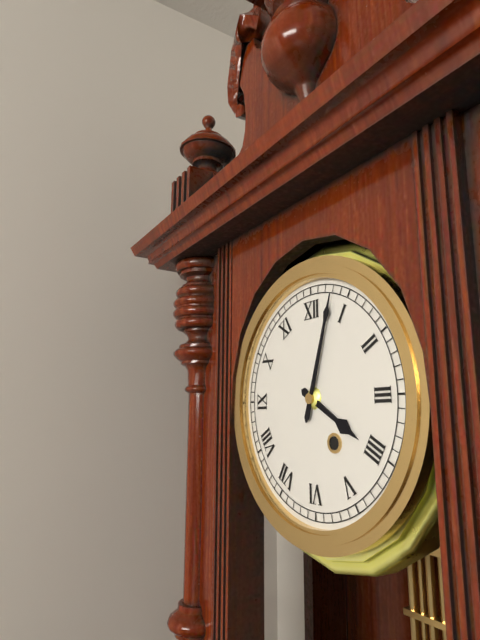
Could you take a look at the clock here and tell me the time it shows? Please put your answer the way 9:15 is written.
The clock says 4:03
